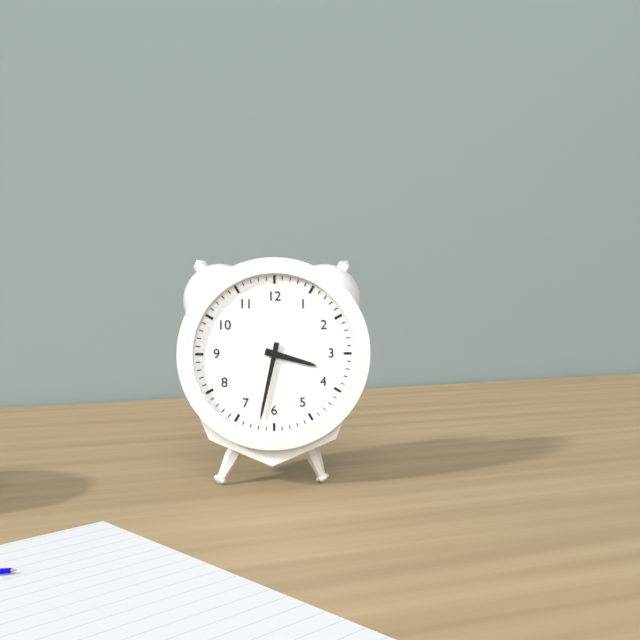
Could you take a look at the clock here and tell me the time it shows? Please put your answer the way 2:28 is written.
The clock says 3:32
